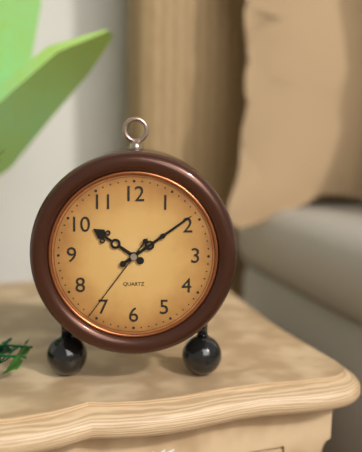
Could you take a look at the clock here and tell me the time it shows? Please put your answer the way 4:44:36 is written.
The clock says 10:09:36
